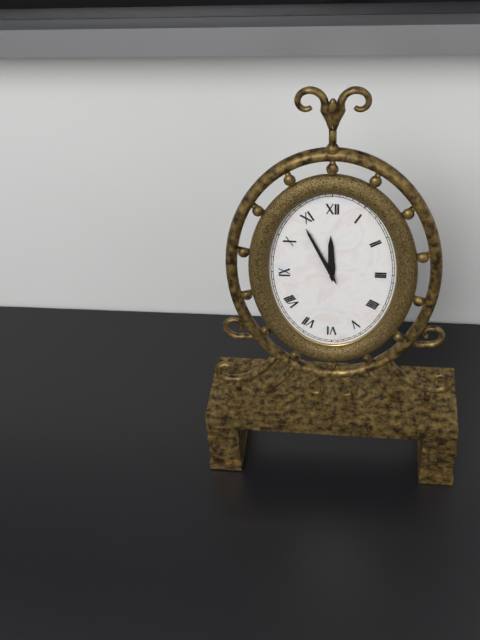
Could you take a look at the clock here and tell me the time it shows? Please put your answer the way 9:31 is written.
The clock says 11:56
